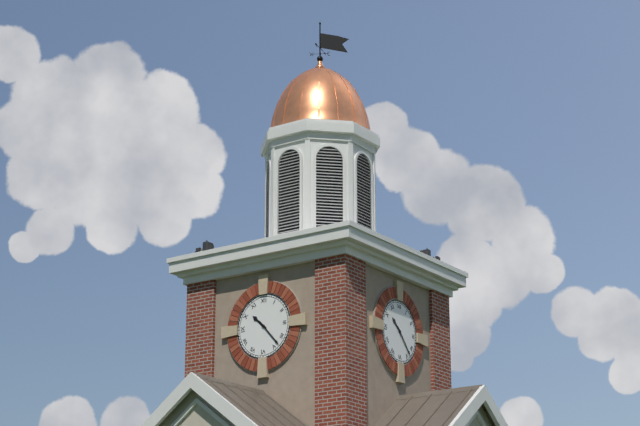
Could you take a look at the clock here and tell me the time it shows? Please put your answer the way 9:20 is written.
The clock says 10:23
